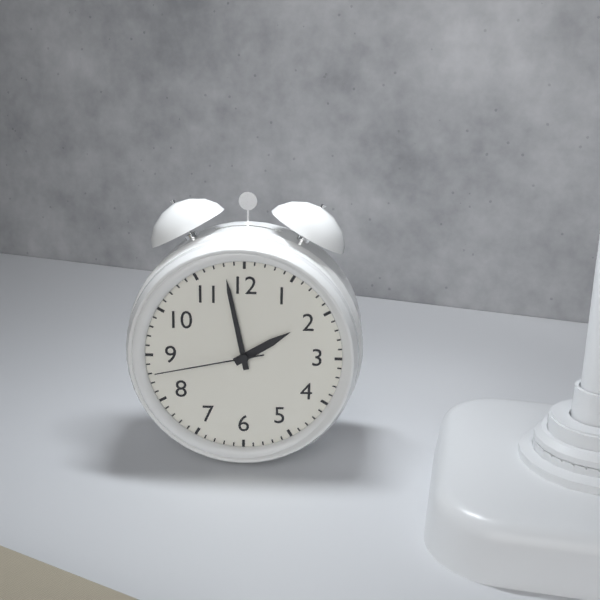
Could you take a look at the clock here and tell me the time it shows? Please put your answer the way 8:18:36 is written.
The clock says 1:58:43
